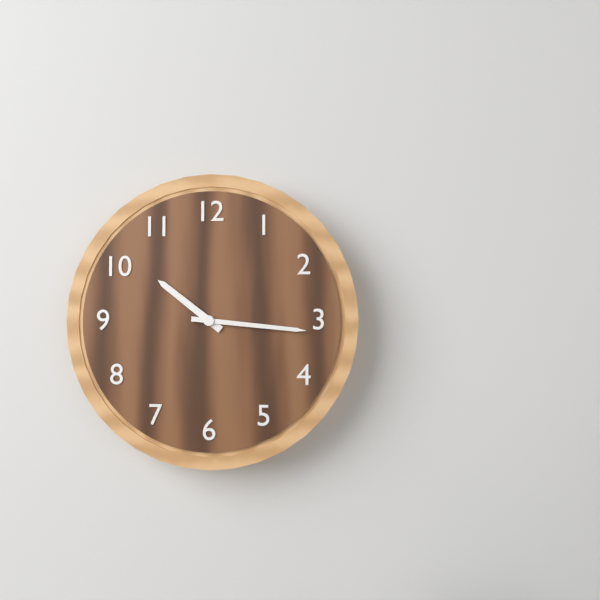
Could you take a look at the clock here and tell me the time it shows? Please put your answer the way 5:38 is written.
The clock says 10:16
